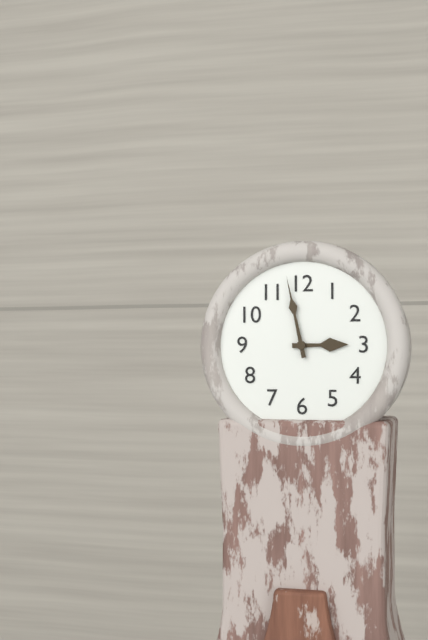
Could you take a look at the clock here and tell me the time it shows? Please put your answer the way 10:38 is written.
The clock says 2:58
